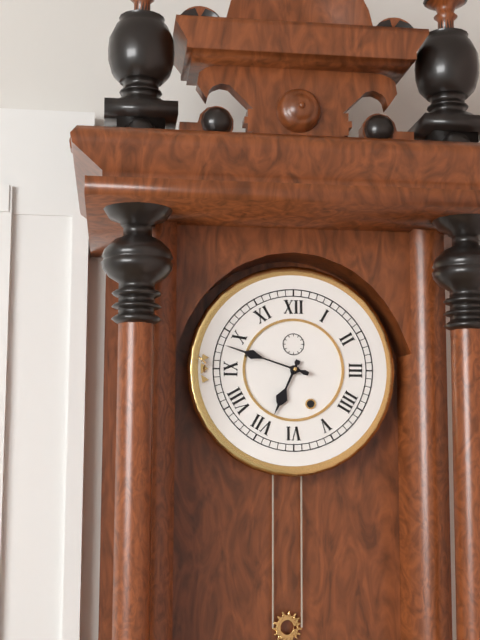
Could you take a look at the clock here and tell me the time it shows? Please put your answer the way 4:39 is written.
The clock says 6:48
